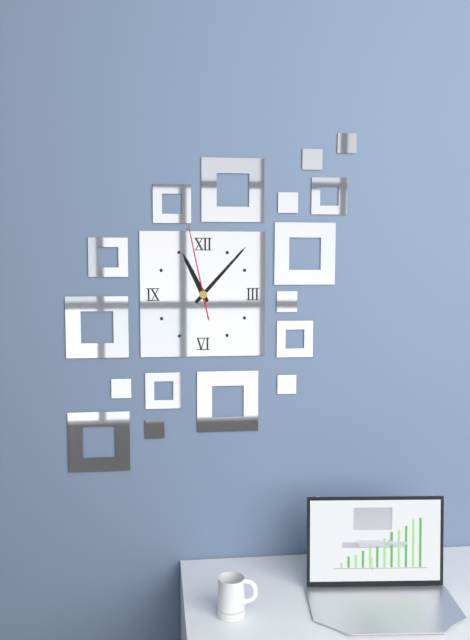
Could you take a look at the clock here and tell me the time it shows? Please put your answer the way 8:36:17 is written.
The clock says 11:07:58
